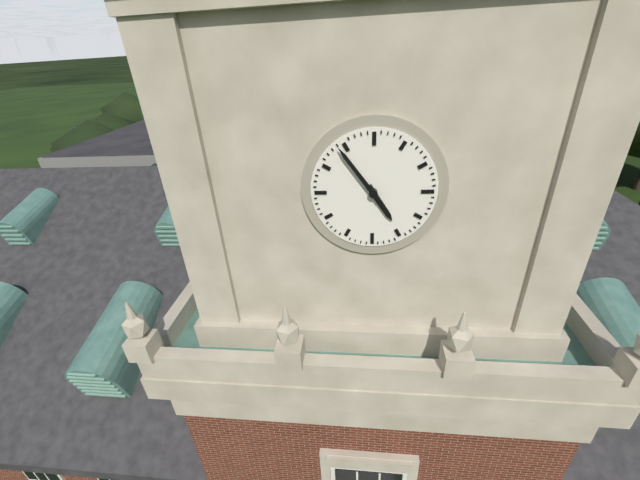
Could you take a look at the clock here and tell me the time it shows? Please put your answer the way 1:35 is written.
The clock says 4:54
